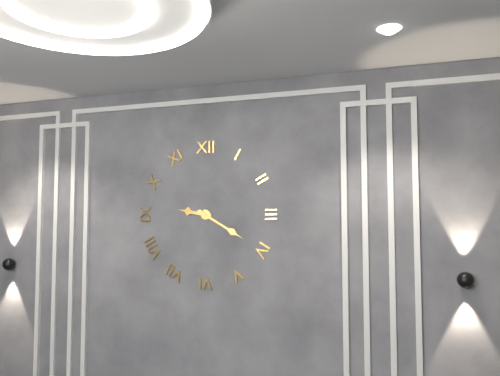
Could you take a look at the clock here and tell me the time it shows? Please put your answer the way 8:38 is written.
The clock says 9:20
